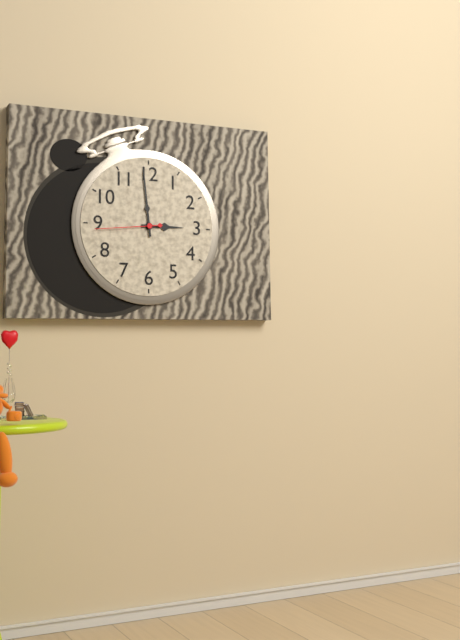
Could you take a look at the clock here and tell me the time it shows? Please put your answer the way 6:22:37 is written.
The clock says 2:59:44
